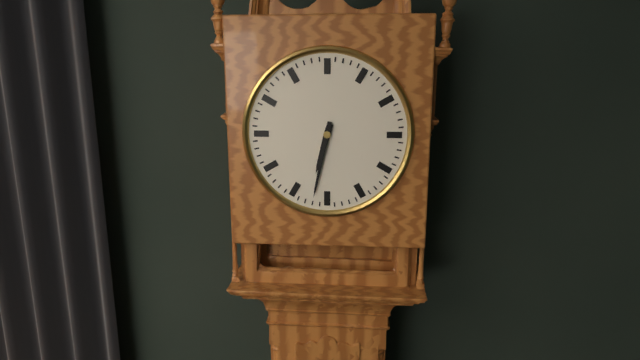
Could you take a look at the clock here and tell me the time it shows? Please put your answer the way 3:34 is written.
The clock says 6:32
